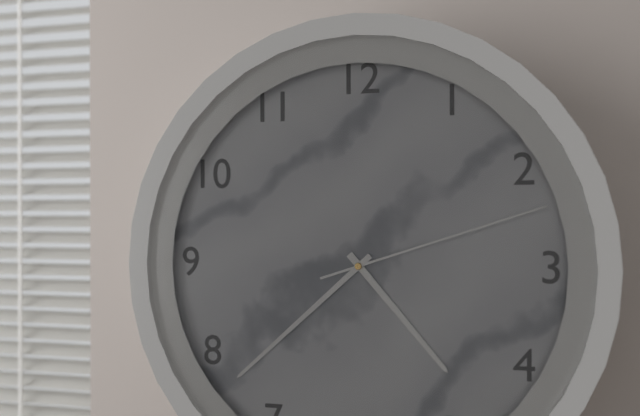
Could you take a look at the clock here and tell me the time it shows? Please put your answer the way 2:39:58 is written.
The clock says 4:38:12
